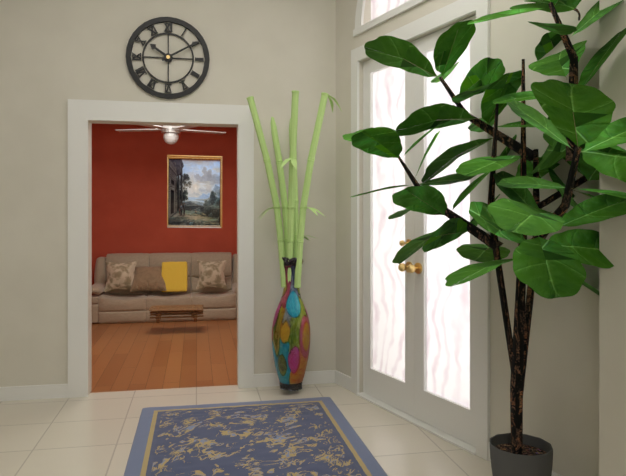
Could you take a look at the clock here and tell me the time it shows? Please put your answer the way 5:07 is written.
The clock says 10:10
